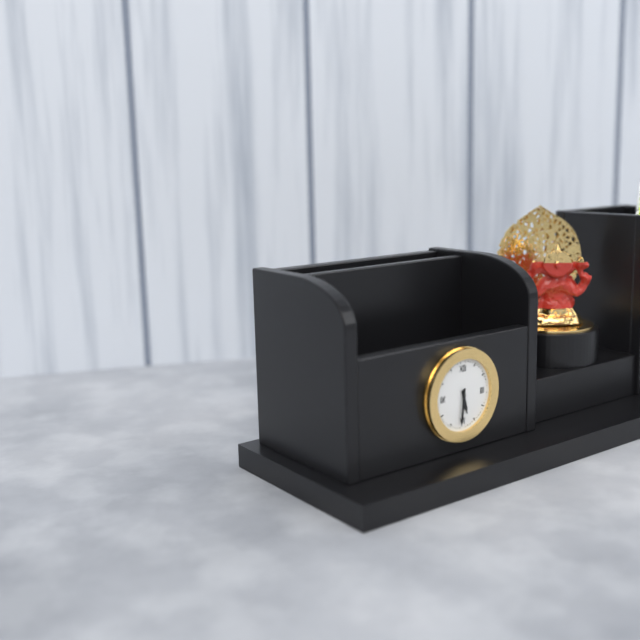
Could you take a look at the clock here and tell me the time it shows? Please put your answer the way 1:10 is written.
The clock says 5:31
